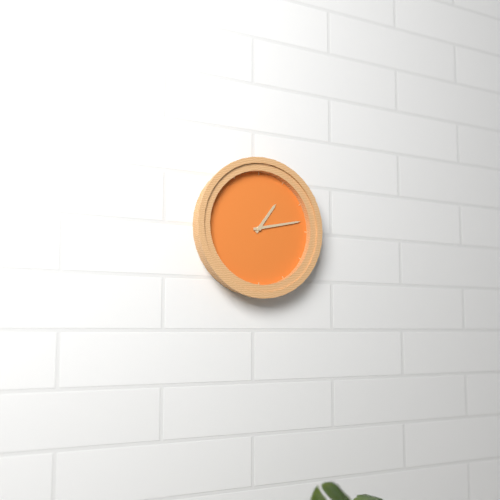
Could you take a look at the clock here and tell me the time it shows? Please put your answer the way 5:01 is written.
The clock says 1:13
